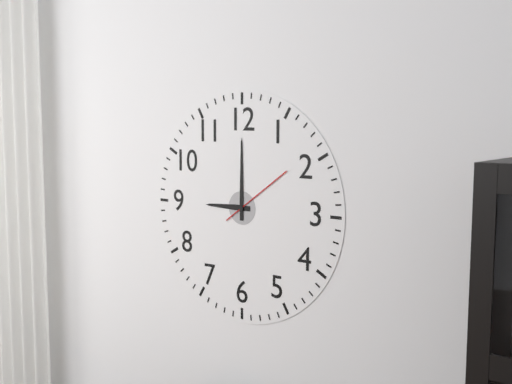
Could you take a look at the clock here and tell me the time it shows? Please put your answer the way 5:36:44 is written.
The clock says 9:00:09
